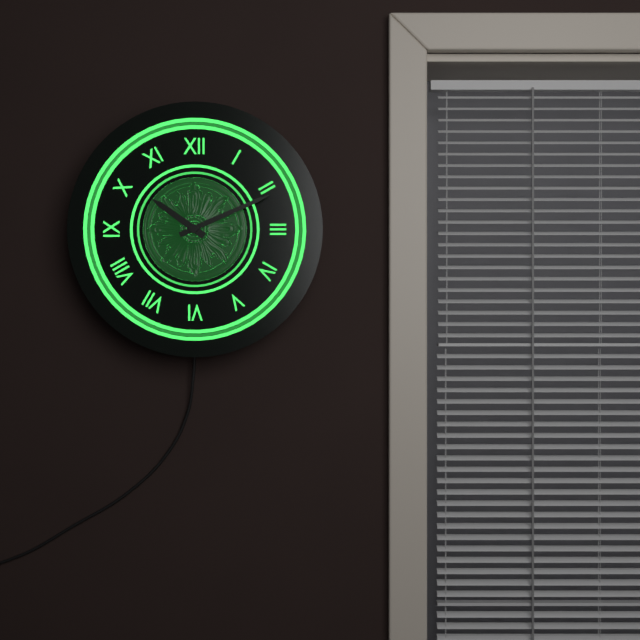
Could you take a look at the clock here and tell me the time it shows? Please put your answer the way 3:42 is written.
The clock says 10:11
